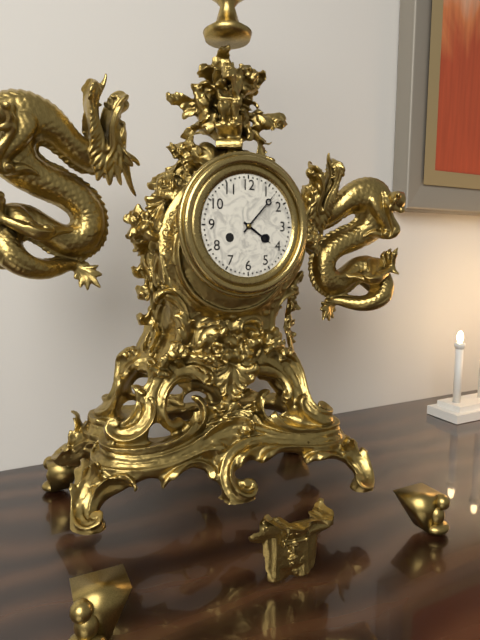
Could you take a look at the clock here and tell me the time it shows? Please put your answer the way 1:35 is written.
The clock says 4:07
